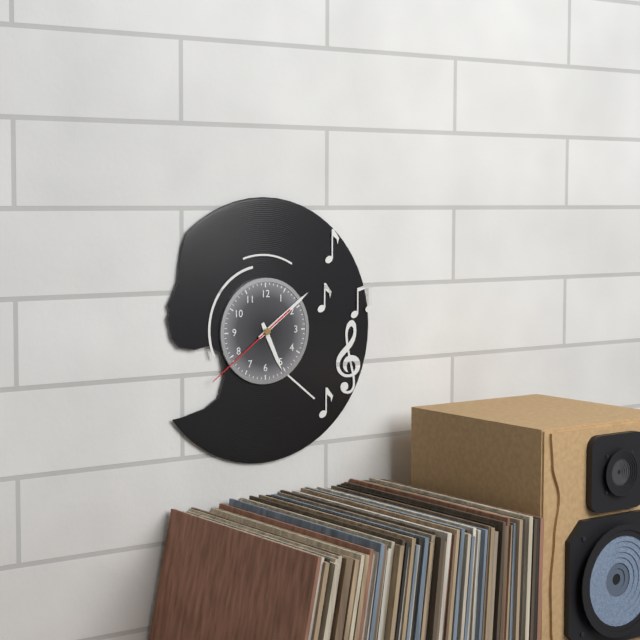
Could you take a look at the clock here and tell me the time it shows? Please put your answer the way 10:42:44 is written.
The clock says 5:09:39
